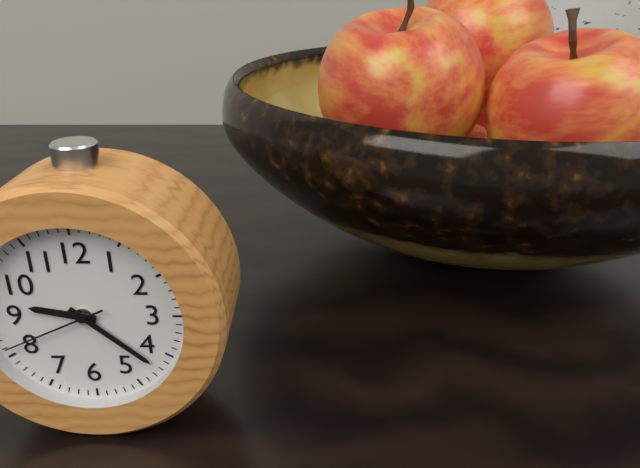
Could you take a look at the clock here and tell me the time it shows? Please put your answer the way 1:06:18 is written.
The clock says 9:22:41
